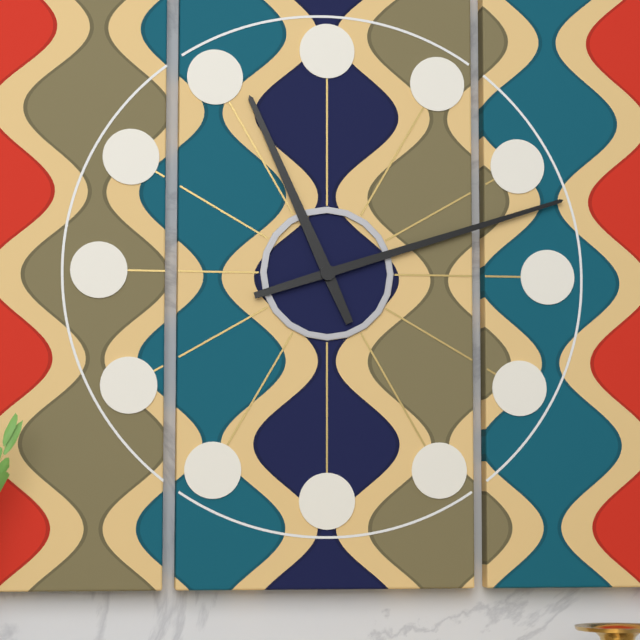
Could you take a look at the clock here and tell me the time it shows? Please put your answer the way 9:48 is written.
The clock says 11:12
